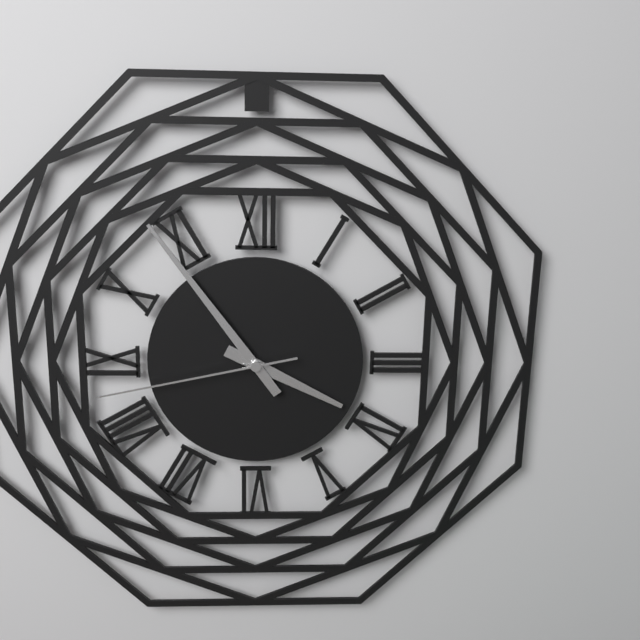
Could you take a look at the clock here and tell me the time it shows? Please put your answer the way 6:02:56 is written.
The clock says 3:54:43
